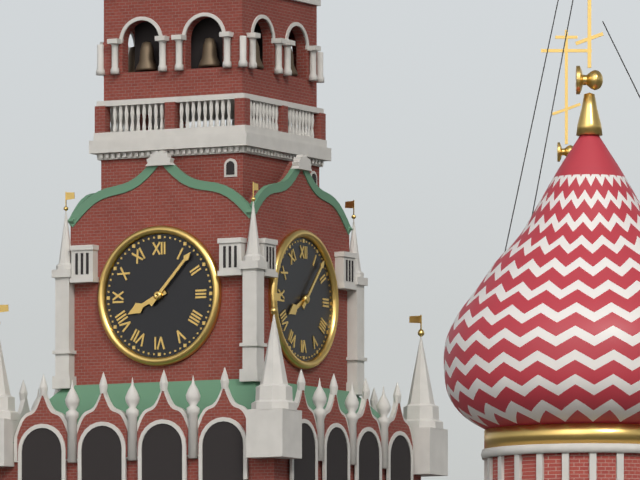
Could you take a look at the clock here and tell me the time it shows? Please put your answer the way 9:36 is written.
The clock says 8:07
